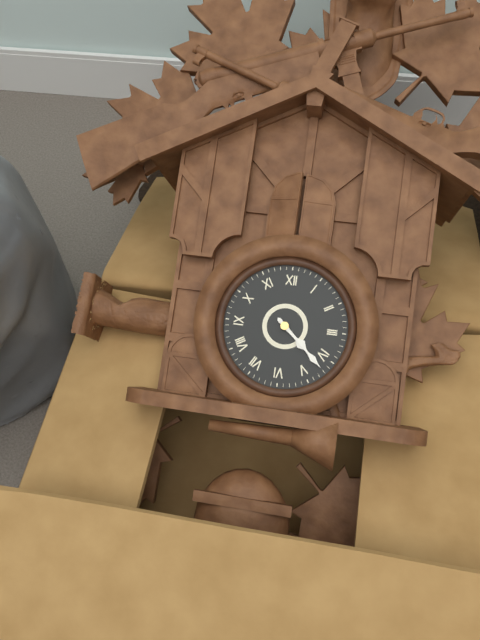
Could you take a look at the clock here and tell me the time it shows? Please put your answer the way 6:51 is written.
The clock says 4:22
